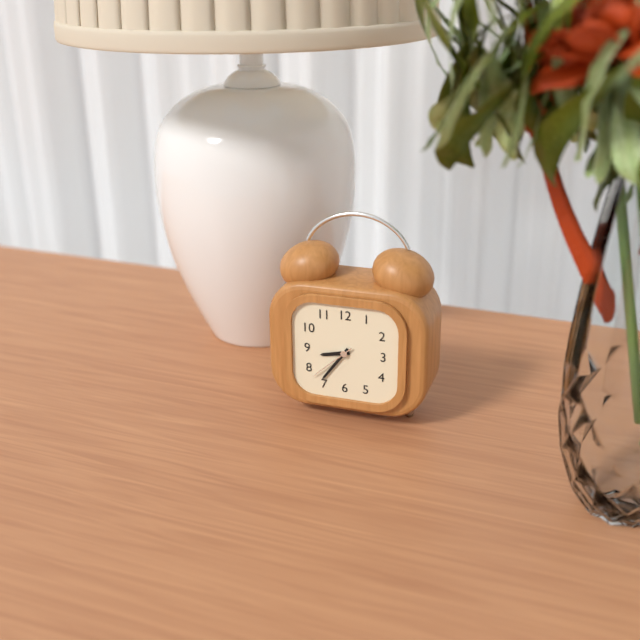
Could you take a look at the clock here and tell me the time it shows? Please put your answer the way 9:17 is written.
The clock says 8:36
